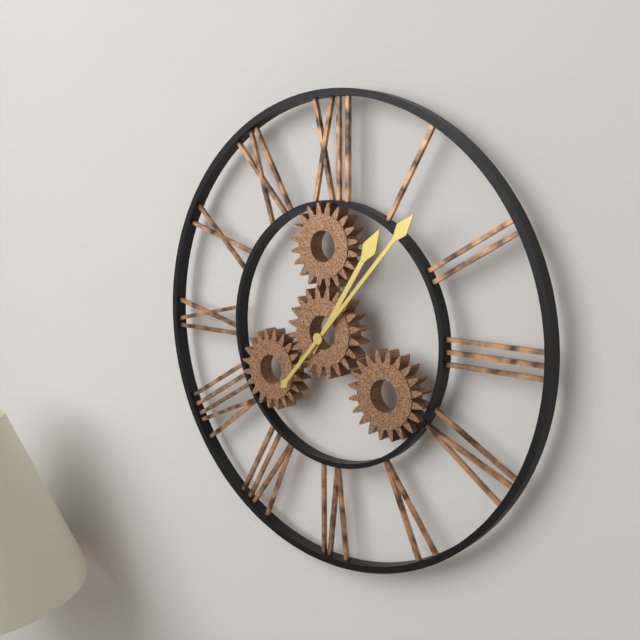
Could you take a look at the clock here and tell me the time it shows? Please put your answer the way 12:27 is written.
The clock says 1:07
